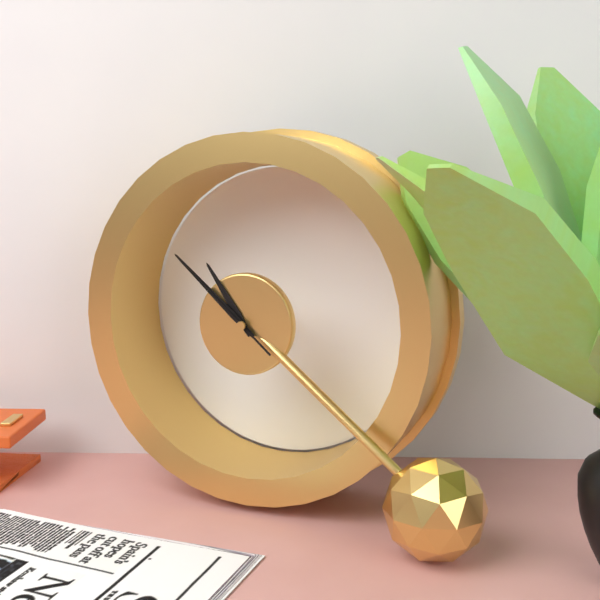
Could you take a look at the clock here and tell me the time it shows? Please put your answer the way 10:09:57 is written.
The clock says 10:52:52
